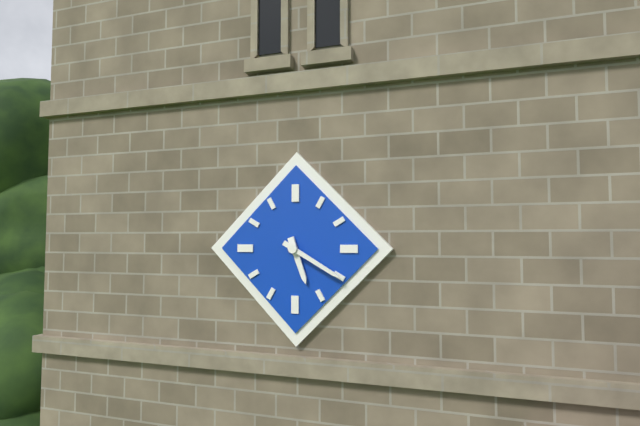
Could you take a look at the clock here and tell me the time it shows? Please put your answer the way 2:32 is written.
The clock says 5:20
